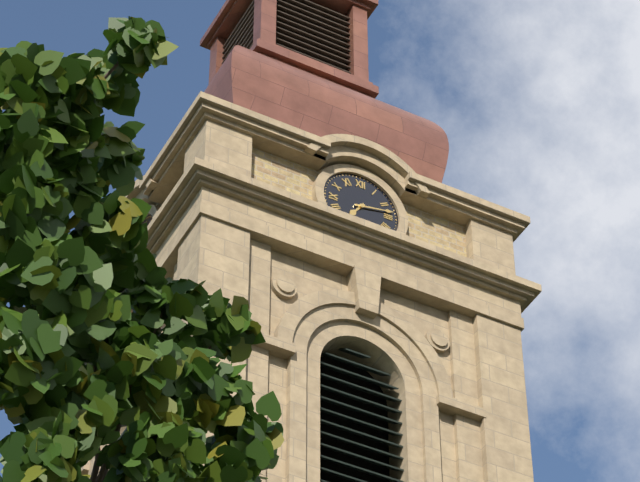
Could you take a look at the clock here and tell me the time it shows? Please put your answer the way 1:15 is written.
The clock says 7:13
